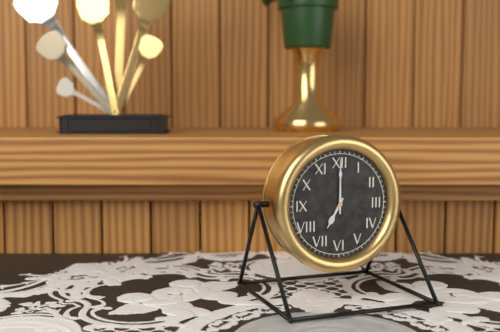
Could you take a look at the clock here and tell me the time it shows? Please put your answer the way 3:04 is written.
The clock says 7:00
